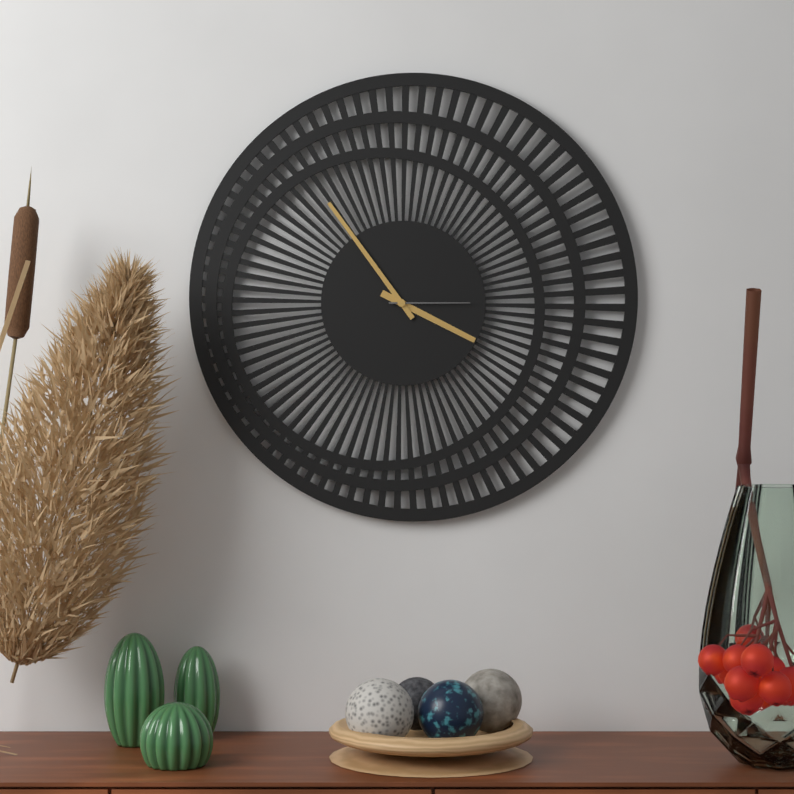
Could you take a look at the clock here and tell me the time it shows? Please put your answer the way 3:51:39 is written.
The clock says 3:54:15
